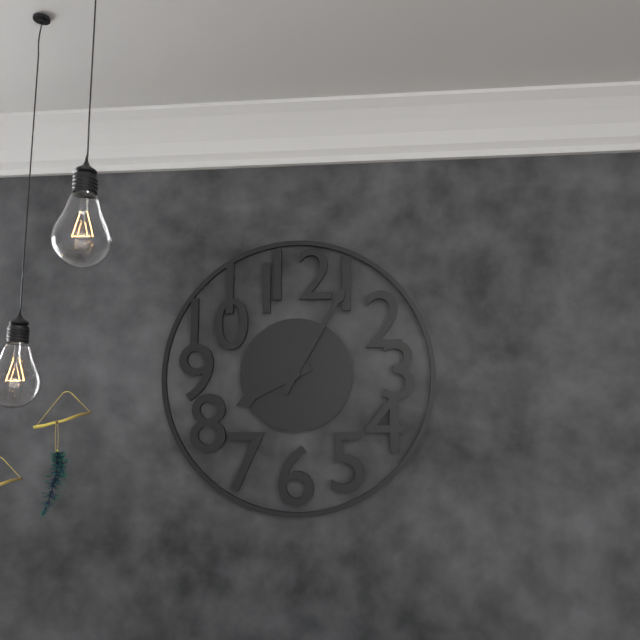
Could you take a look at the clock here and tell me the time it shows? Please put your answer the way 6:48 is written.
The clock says 8:05
